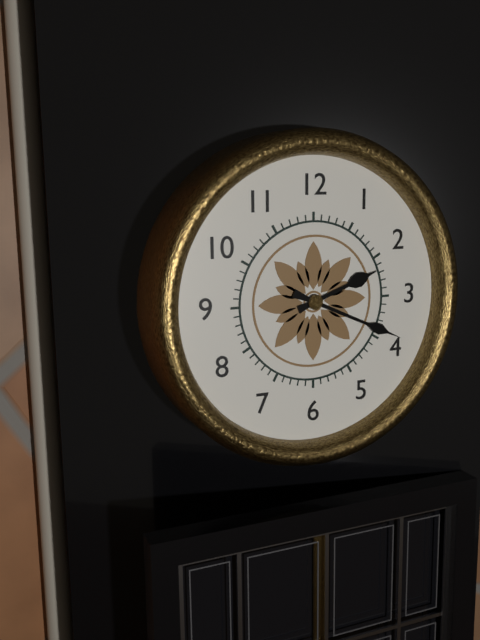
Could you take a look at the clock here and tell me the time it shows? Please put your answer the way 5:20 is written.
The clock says 2:19
